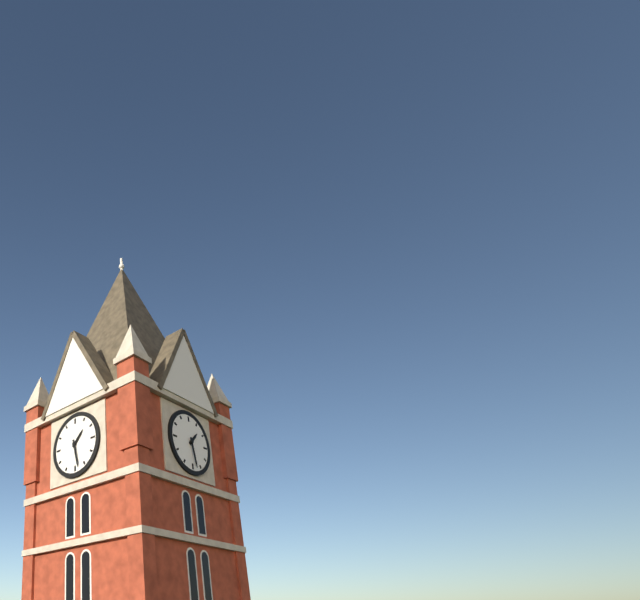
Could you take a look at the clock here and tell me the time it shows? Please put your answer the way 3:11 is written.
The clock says 1:28
